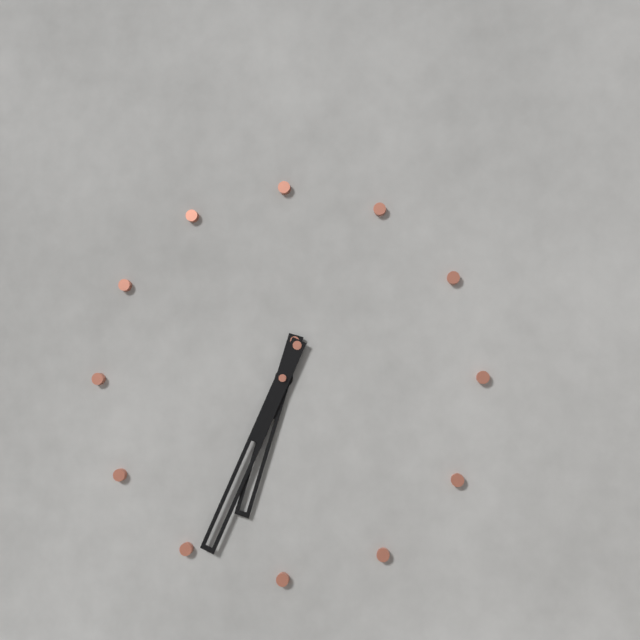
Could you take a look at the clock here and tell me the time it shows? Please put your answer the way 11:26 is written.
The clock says 6:34
